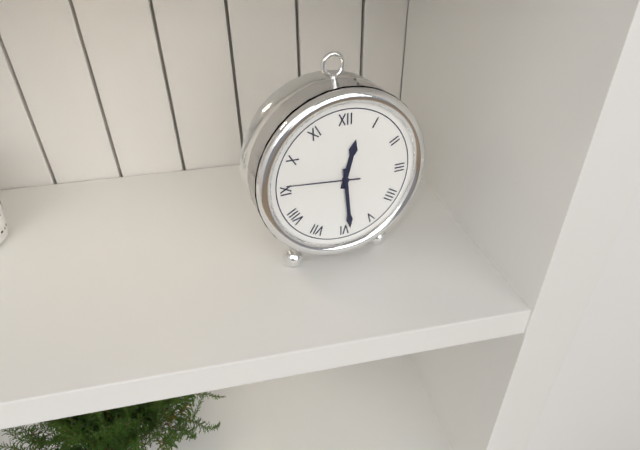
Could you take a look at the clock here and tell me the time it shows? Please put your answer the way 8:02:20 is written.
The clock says 12:29:46
